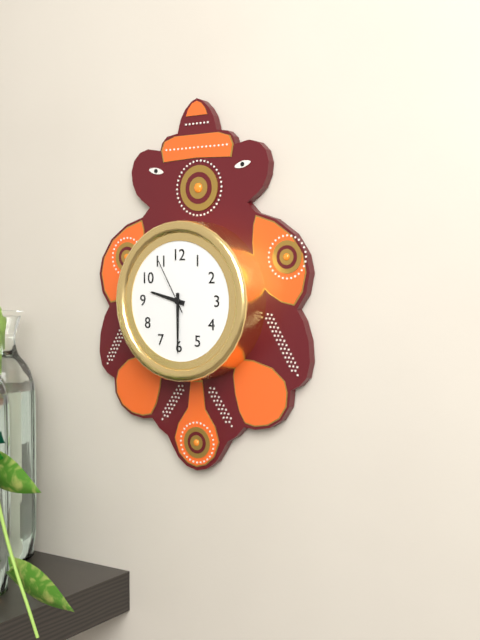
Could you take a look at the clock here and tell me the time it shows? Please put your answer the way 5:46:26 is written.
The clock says 9:30:55
